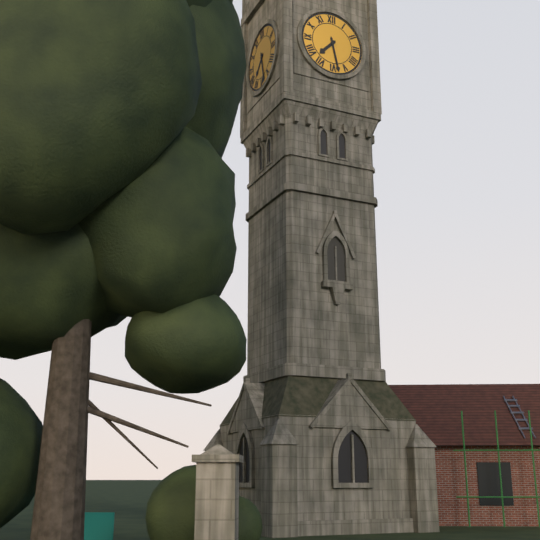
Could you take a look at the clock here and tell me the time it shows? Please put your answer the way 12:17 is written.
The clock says 7:28
